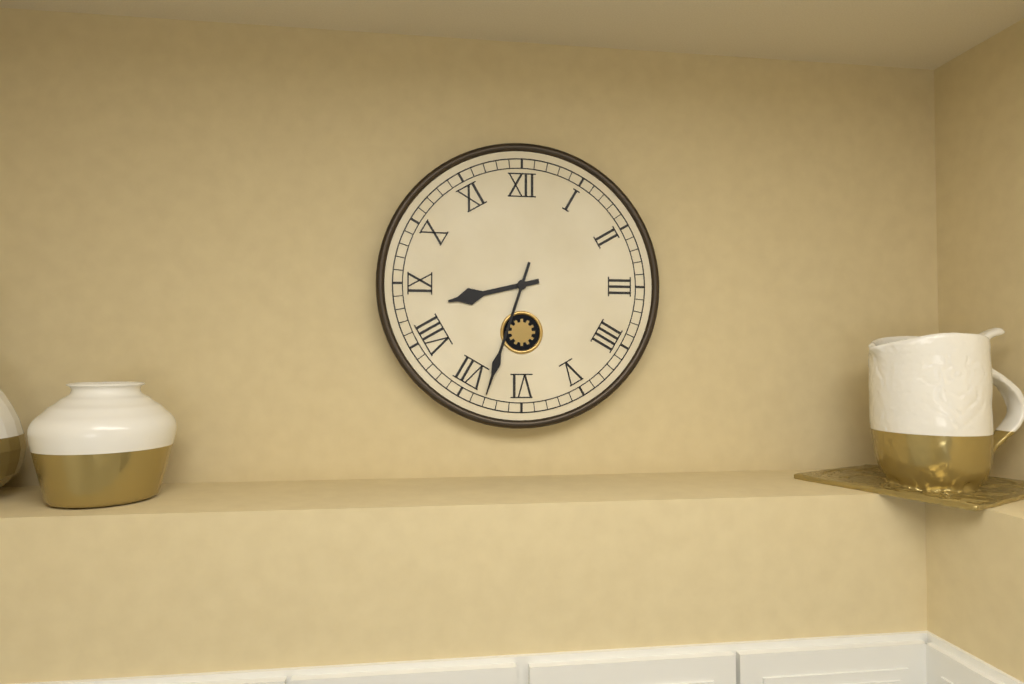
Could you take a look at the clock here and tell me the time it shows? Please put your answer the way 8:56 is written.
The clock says 8:33
